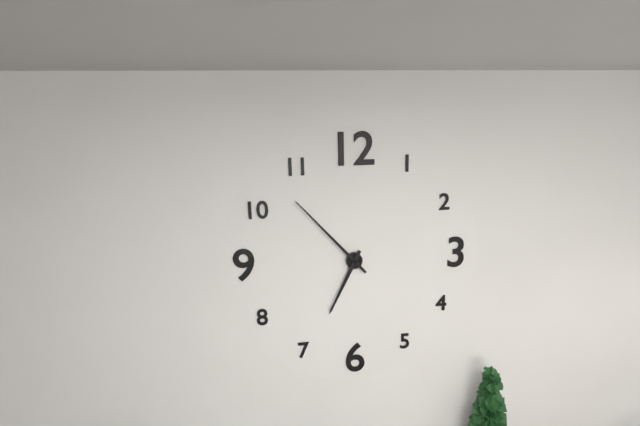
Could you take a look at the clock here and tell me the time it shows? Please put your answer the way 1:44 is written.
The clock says 6:53
